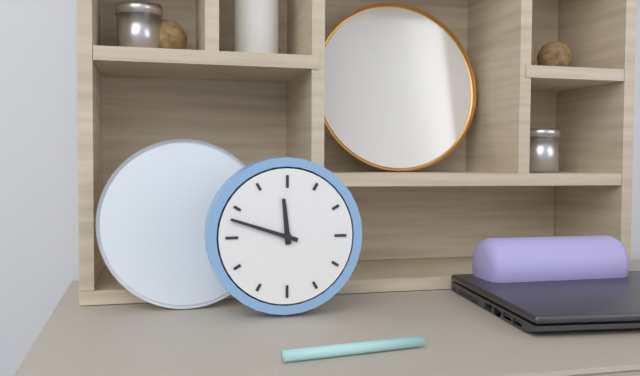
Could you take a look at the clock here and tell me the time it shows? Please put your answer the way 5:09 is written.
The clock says 11:48
